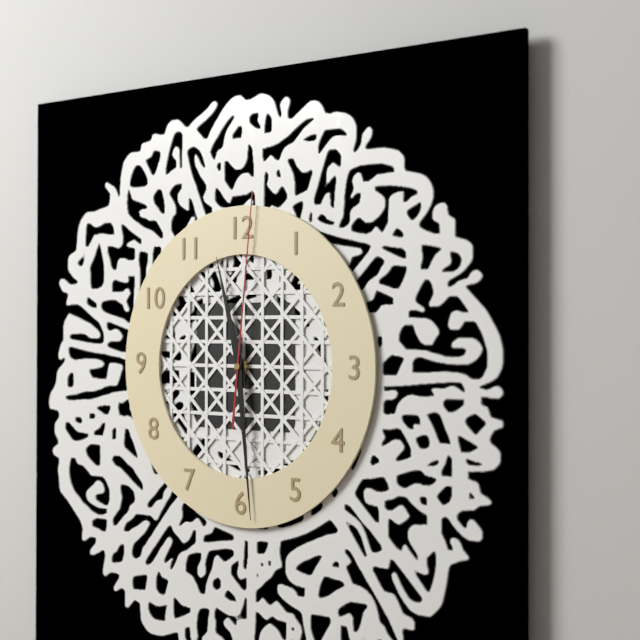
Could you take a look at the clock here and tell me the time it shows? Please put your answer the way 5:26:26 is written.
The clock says 11:29:01
